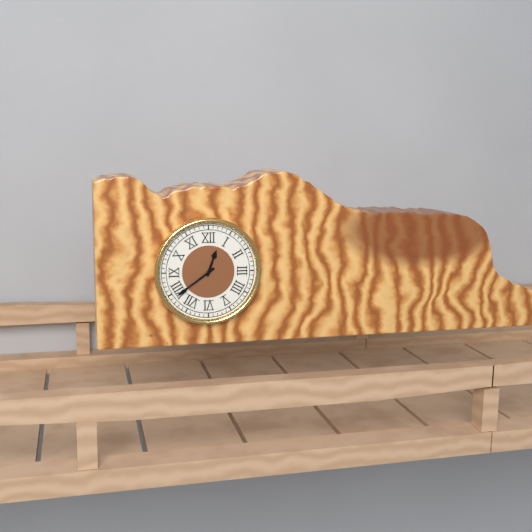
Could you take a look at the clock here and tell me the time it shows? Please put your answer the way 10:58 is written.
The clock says 12:39
